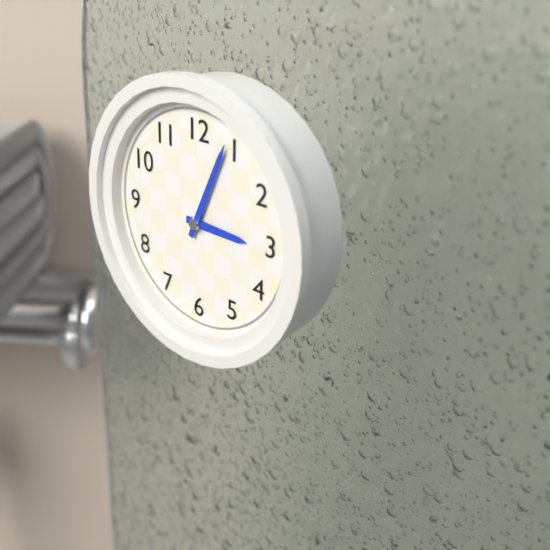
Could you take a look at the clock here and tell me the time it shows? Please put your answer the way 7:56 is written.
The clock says 3:04
